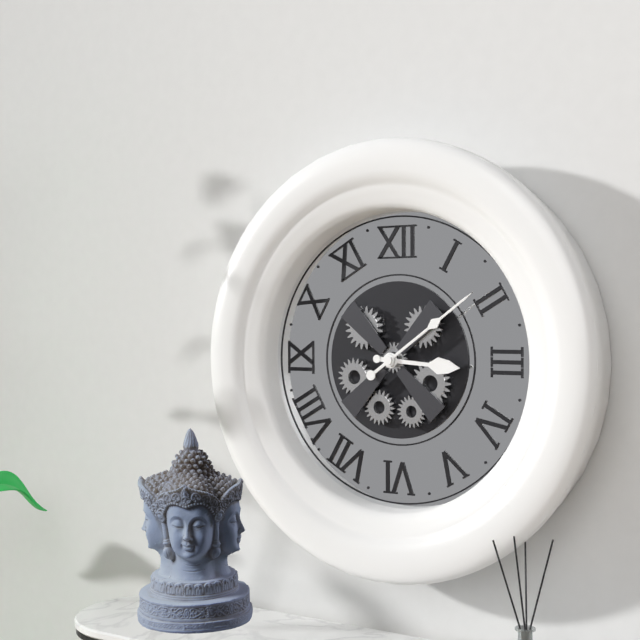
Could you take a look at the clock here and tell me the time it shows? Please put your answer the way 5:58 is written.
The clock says 3:09
